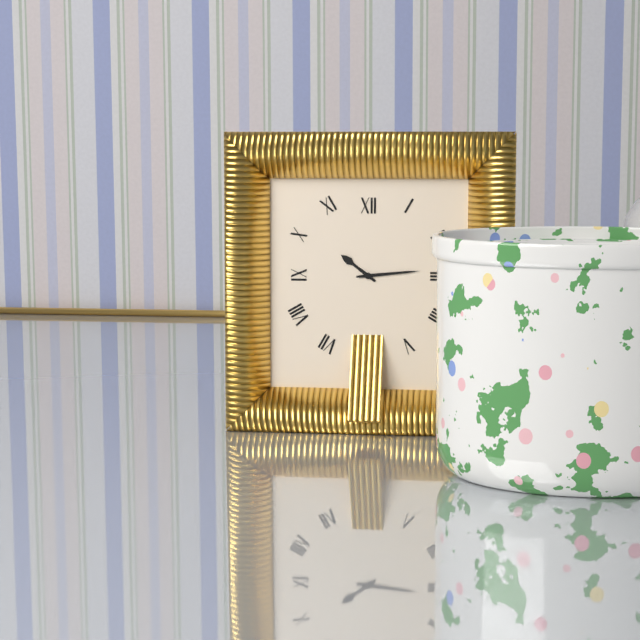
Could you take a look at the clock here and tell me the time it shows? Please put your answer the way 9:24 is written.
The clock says 10:14
